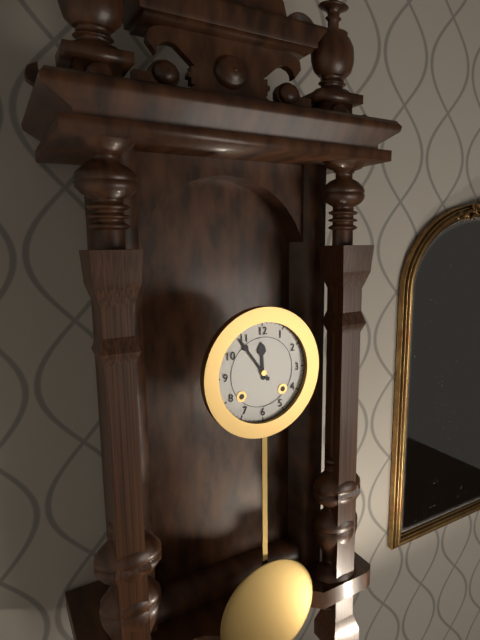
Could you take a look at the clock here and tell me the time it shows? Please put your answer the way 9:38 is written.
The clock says 11:54
